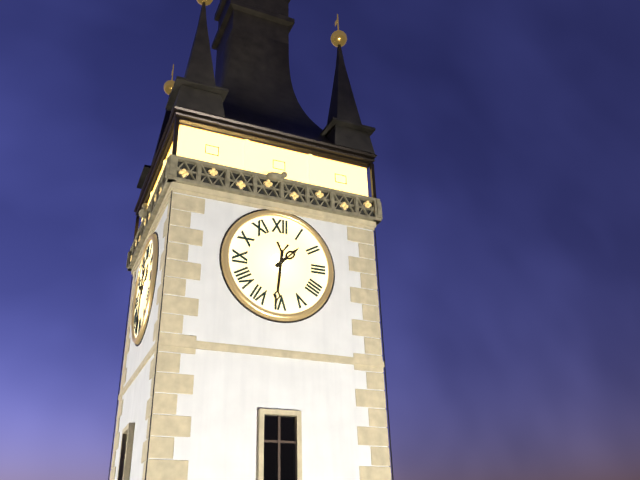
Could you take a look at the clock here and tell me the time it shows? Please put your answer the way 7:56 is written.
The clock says 1:31
